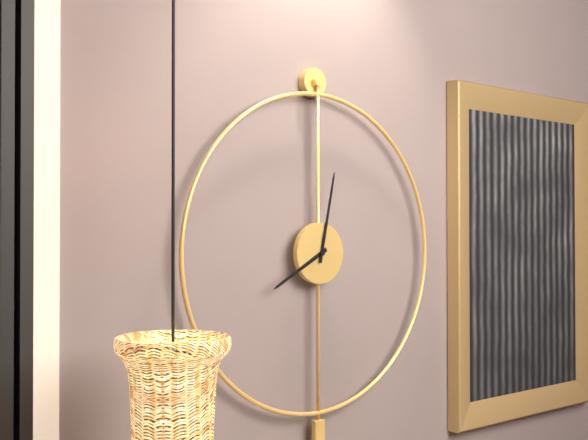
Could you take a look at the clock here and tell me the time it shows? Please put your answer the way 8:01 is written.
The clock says 8:02
